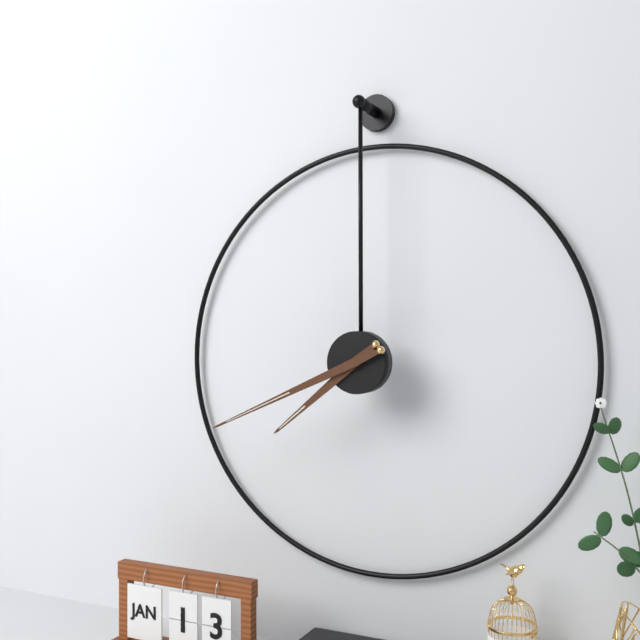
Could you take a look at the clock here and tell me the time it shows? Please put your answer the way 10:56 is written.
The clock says 7:41
